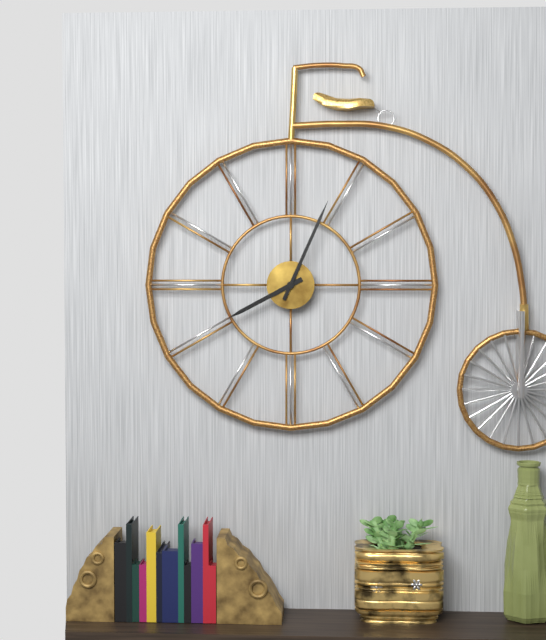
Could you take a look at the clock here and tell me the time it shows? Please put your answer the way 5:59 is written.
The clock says 8:04
